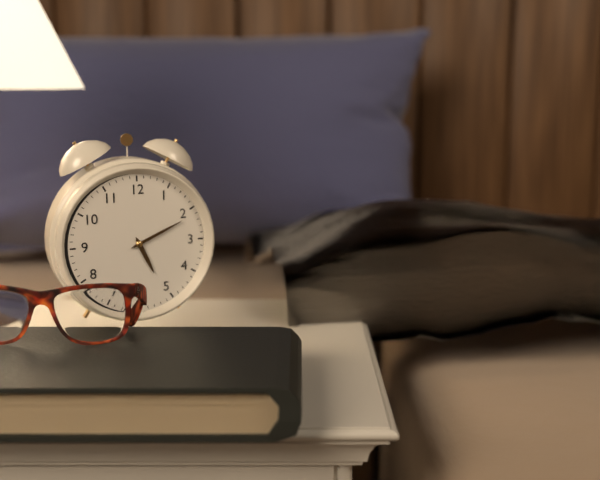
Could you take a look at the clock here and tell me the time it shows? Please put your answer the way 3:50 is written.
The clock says 5:11
